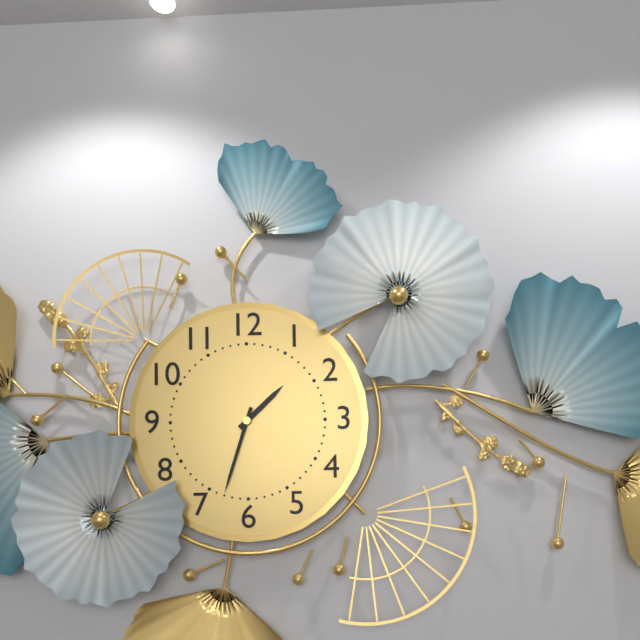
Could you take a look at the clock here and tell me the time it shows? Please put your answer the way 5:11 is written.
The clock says 1:33
